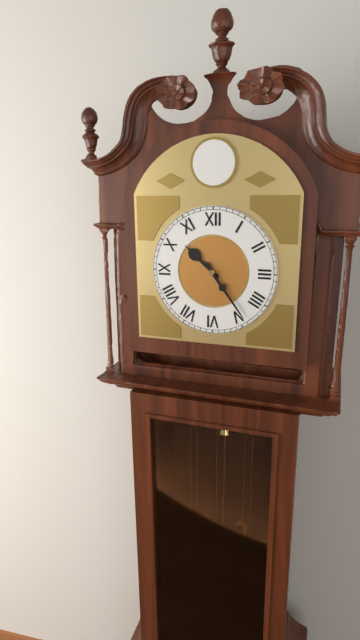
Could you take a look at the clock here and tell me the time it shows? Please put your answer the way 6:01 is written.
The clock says 10:24
